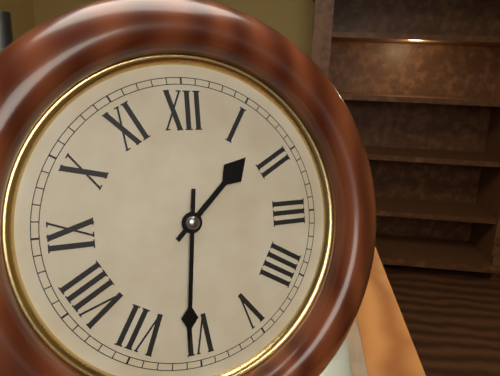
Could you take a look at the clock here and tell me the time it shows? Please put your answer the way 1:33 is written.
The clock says 1:31
